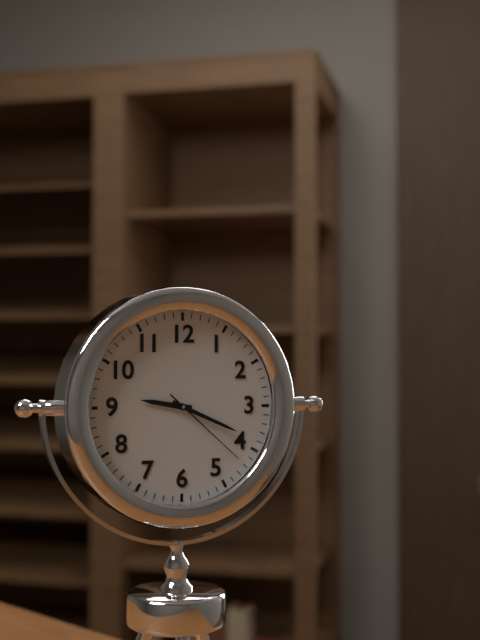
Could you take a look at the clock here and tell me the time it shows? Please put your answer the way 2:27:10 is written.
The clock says 9:19:22
